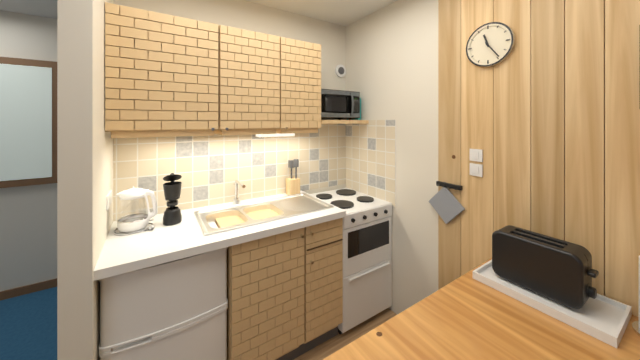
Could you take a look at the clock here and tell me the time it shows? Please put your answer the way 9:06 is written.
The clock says 11:24
